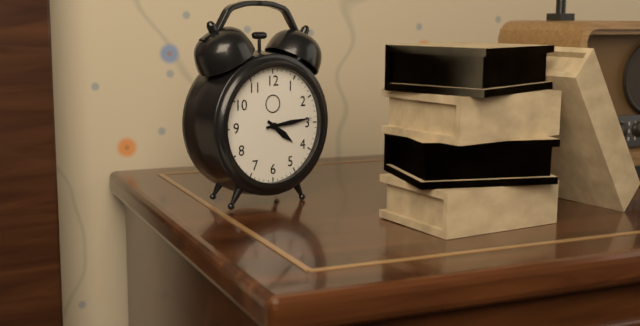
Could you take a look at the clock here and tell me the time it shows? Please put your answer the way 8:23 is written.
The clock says 4:14
